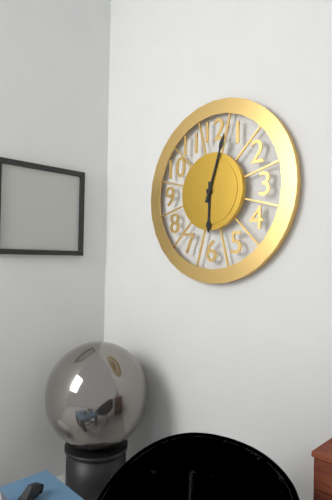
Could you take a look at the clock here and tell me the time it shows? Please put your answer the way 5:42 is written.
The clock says 6:03
